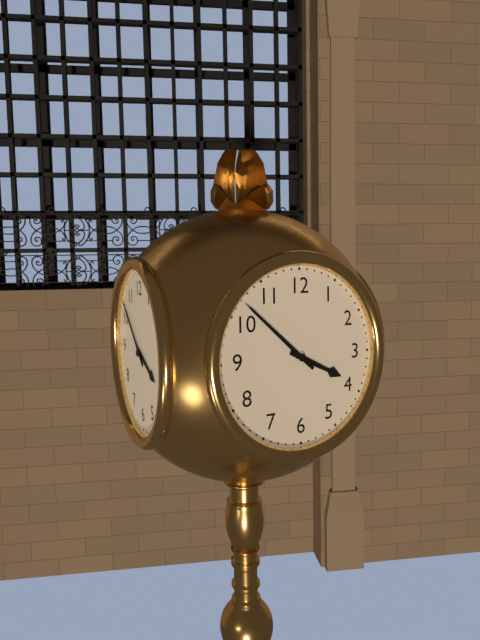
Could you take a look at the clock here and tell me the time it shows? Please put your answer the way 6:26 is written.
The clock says 3:52
